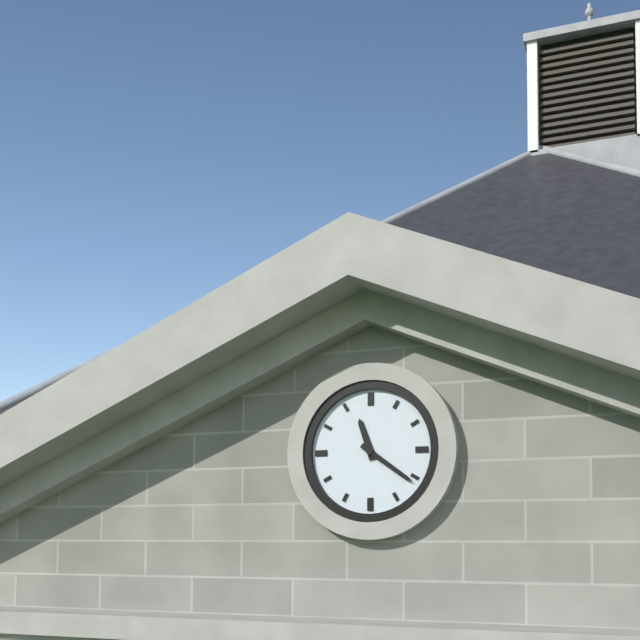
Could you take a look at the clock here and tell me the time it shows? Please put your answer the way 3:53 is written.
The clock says 11:21
